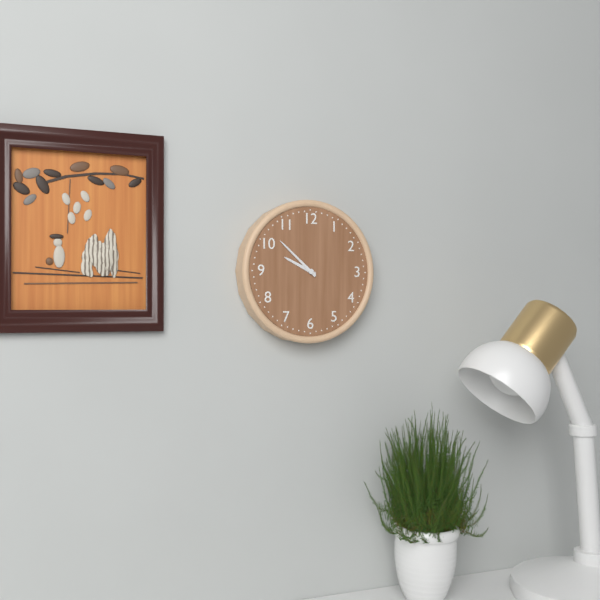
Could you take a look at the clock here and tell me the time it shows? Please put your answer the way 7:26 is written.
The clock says 9:52
